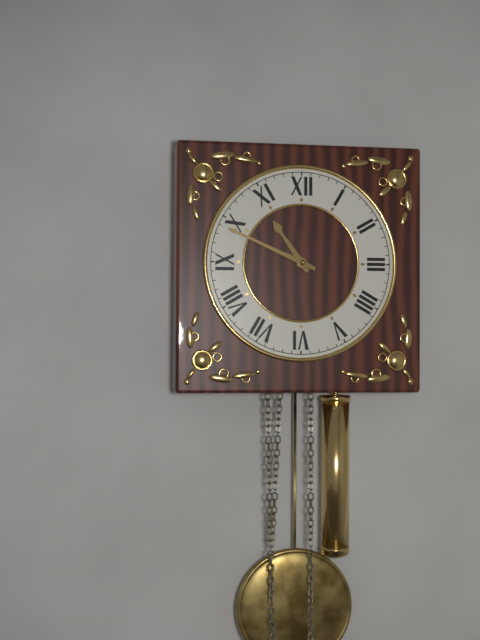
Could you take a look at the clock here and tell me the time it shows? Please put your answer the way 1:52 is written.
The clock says 10:49
